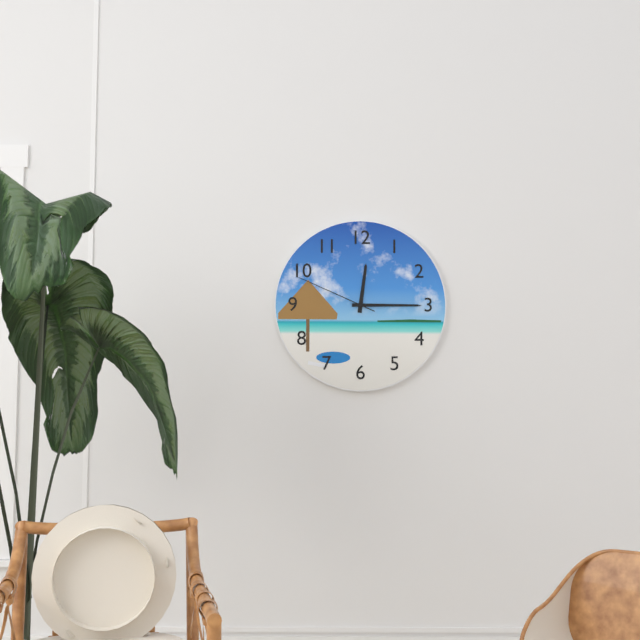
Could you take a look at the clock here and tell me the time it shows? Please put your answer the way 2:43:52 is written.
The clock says 12:15:49
